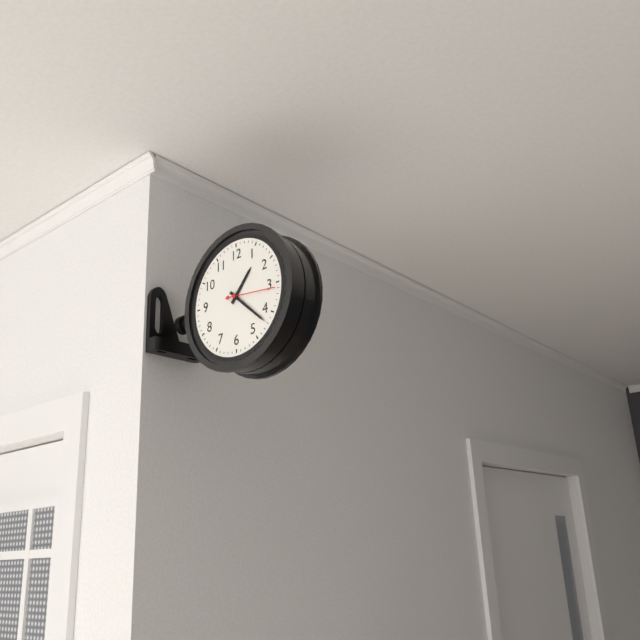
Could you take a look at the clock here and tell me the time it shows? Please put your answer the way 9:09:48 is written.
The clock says 1:22:16
